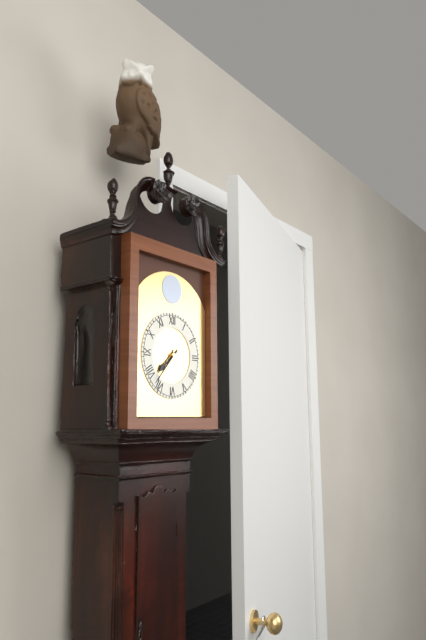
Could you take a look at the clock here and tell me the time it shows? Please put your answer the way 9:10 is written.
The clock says 7:37
